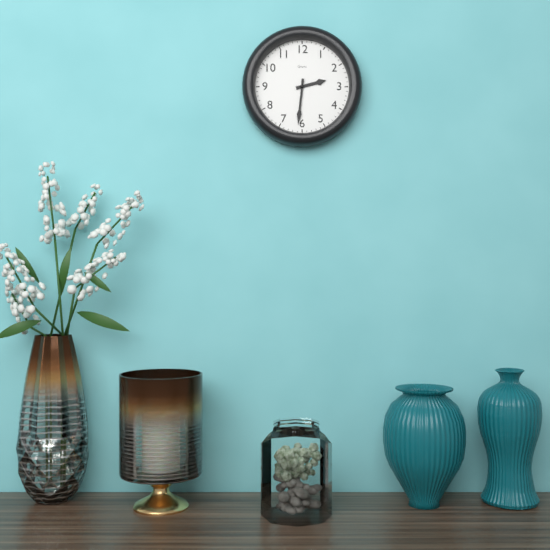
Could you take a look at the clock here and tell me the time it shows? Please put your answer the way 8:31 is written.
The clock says 2:31
